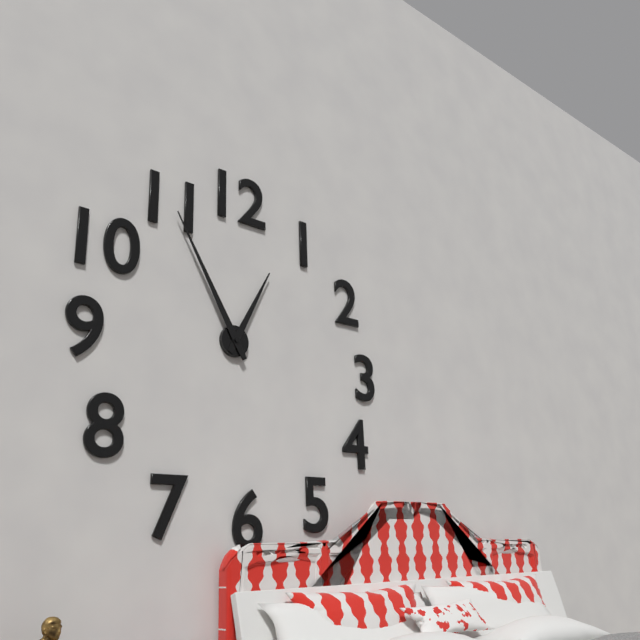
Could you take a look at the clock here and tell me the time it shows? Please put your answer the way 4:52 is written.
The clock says 12:55
